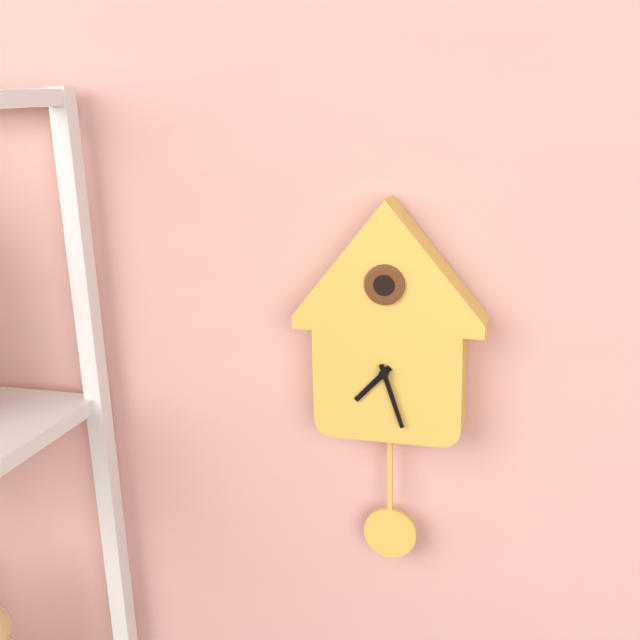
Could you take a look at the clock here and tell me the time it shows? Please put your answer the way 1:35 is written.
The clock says 7:27
